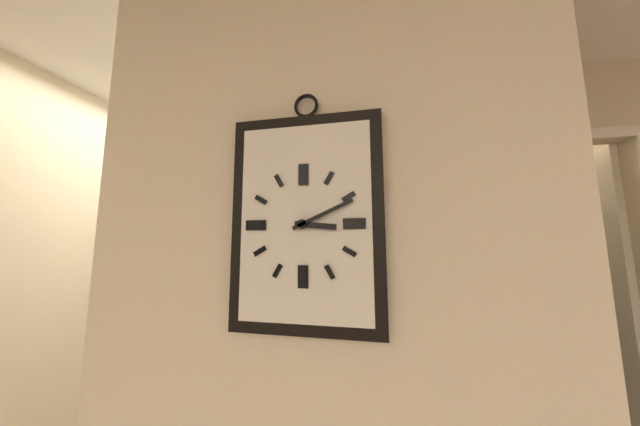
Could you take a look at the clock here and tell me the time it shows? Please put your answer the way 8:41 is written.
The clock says 3:11
